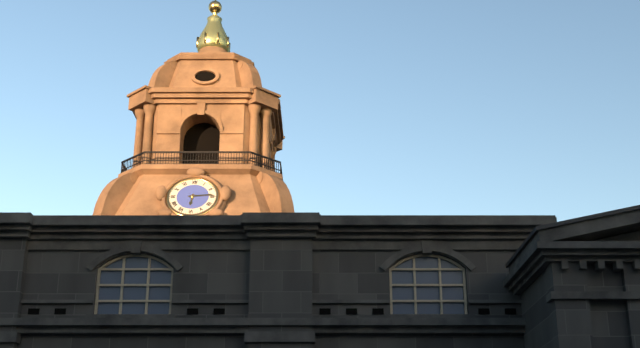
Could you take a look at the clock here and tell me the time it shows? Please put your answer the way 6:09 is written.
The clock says 6:14
